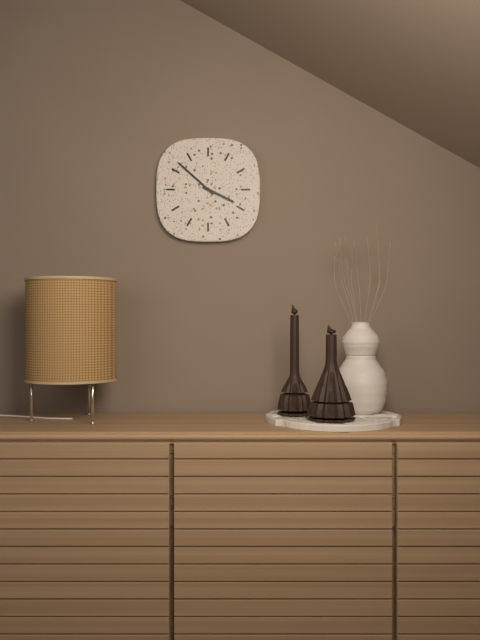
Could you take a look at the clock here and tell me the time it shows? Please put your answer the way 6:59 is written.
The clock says 3:52
